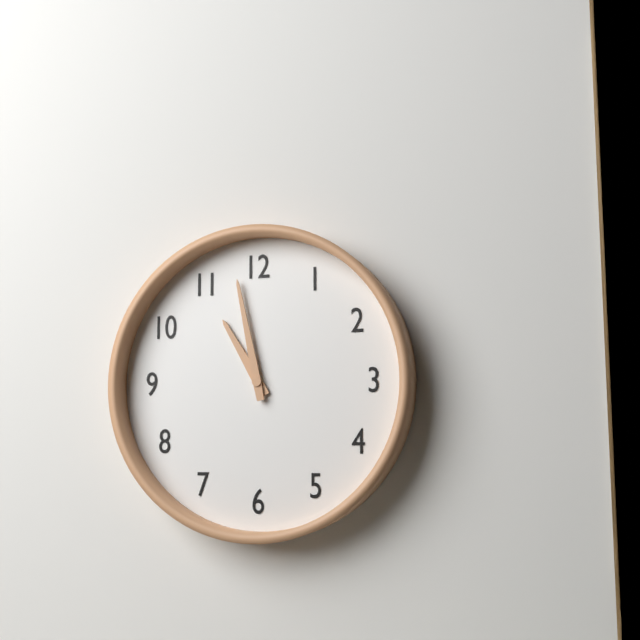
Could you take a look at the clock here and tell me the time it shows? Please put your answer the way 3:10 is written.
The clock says 10:58
